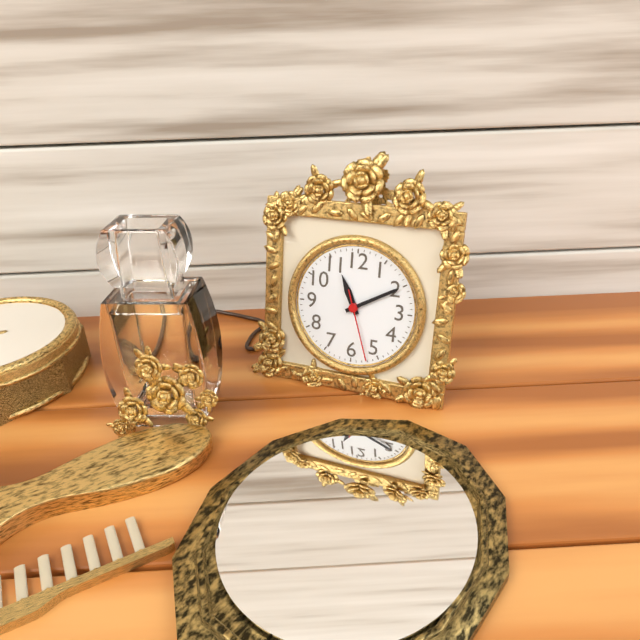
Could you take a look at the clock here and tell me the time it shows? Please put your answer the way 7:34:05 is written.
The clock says 11:10:27
